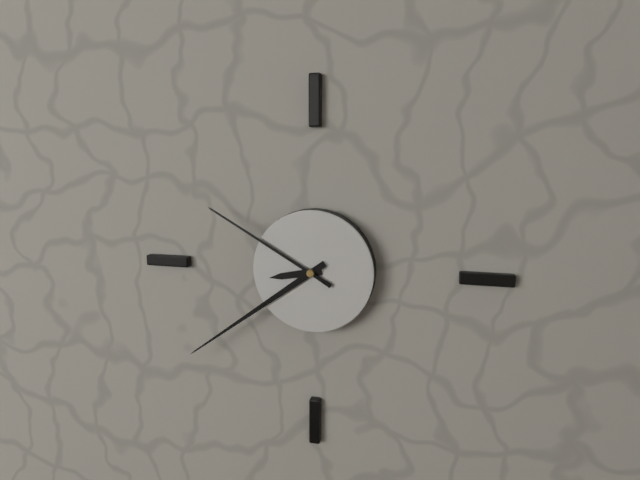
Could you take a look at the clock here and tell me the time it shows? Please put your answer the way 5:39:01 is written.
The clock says 8:39:50
